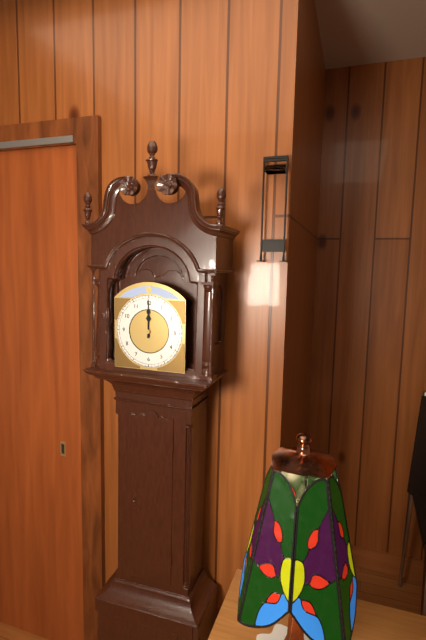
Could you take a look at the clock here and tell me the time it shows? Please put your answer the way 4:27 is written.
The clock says 12:00
